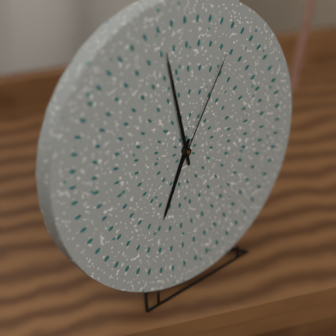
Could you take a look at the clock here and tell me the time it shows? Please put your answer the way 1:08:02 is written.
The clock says 6:59:06
